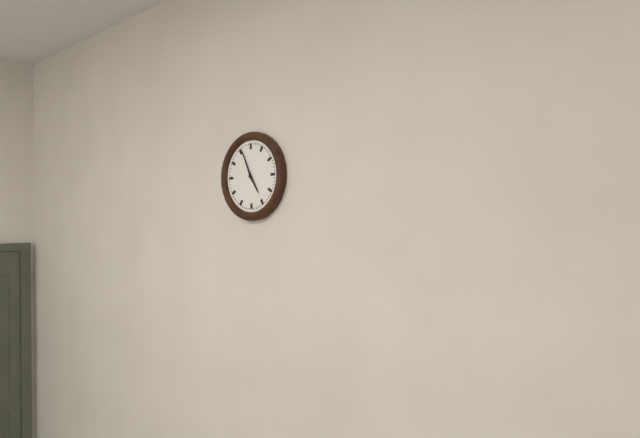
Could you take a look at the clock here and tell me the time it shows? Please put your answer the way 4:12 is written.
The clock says 4:56
